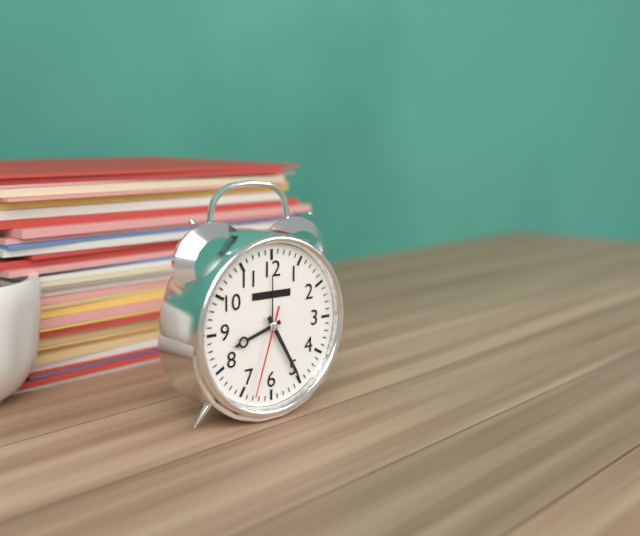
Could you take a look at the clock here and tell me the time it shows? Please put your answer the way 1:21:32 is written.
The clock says 8:25:33
